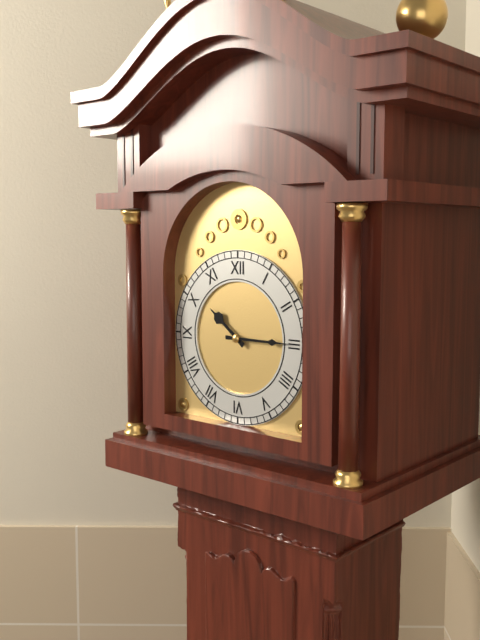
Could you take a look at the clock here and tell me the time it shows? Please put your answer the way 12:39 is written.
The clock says 10:15
